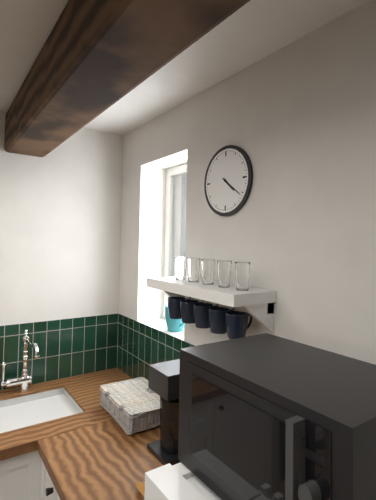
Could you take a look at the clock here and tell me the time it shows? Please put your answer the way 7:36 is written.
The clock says 4:21
